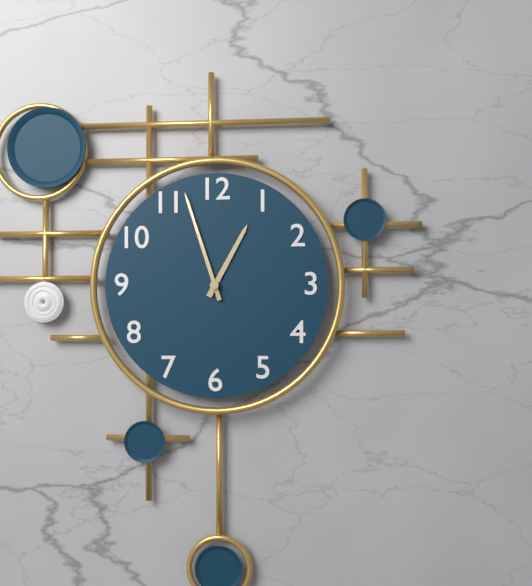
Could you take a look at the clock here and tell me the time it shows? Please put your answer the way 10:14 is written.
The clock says 12:57
